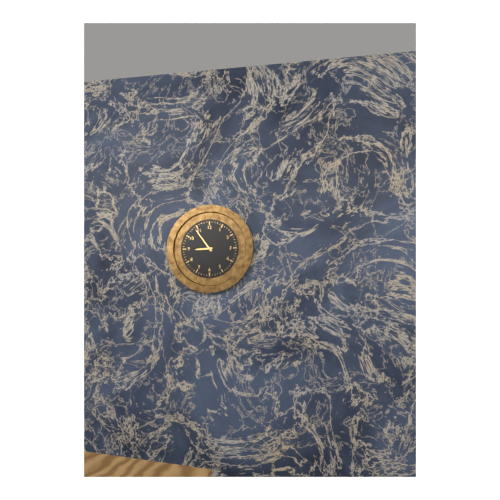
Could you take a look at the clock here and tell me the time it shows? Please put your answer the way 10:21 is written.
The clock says 8:54
